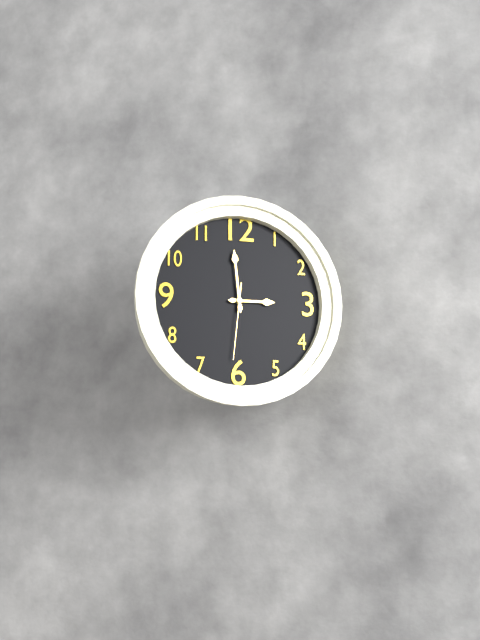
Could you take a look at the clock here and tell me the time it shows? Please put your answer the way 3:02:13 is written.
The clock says 2:59:31
